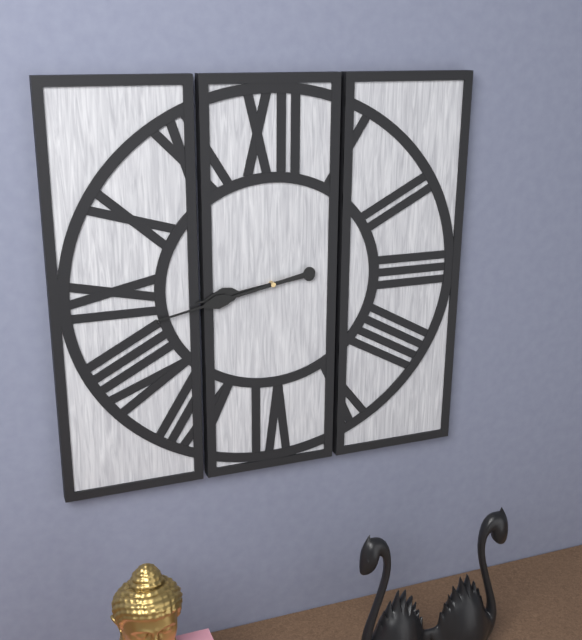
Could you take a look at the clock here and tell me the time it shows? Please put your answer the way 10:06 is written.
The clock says 8:43
